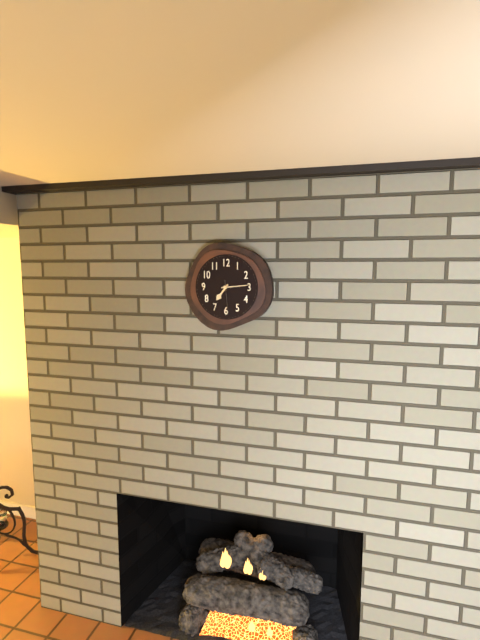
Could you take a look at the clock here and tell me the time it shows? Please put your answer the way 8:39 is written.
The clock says 7:14
